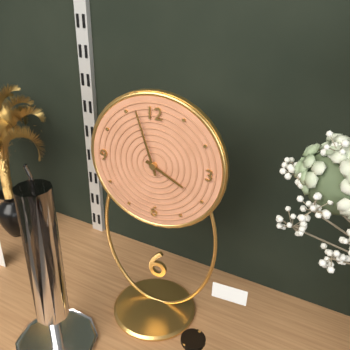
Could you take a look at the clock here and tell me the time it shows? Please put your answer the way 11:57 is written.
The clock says 3:57
